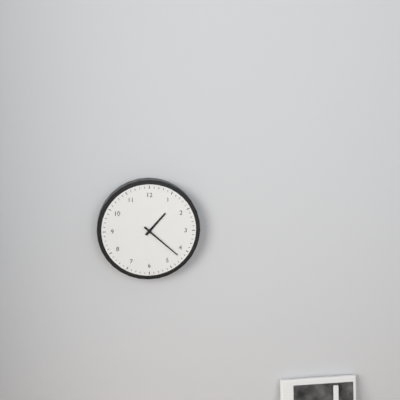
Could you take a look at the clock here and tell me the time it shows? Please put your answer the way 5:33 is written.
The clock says 1:22
